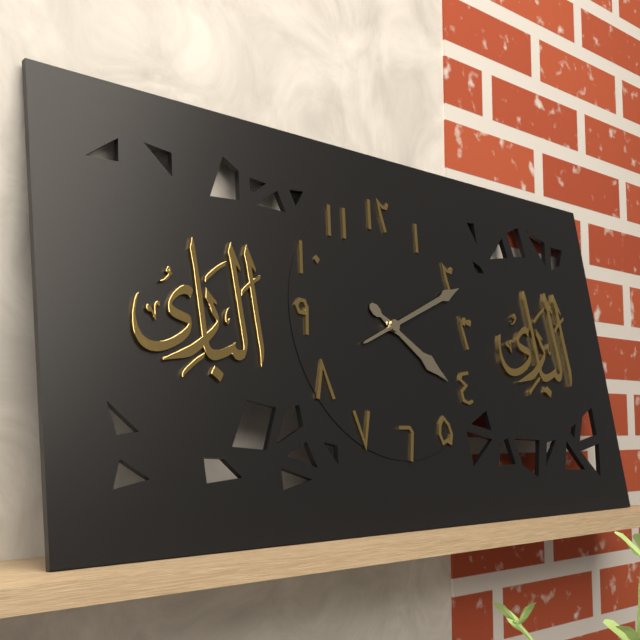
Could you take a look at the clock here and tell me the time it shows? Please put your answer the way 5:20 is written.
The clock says 4:11
